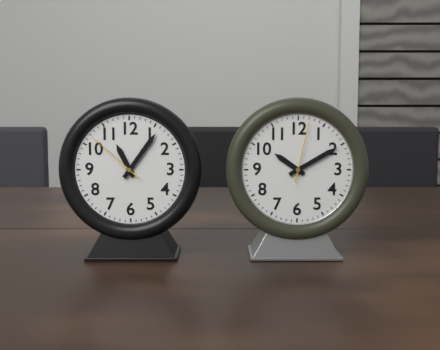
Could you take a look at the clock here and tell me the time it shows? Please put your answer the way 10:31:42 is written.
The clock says 11:06:52
